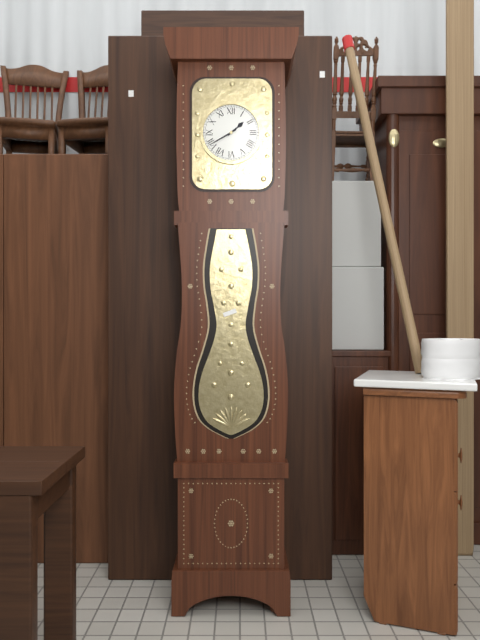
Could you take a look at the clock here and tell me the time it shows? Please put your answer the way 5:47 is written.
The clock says 1:40
